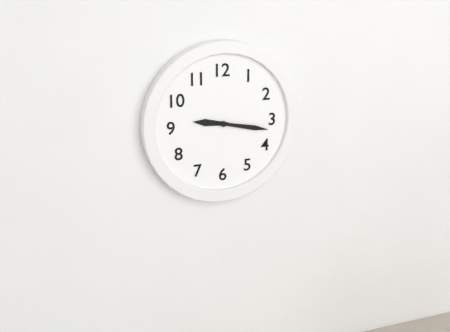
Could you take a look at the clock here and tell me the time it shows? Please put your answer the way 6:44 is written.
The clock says 9:17
